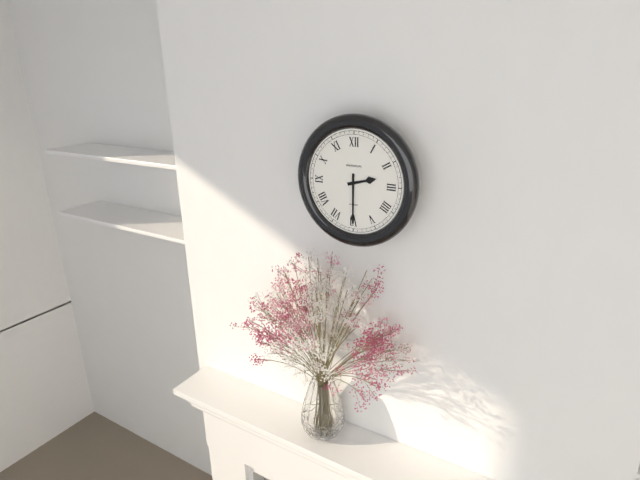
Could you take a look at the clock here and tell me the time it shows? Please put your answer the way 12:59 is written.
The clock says 2:30
